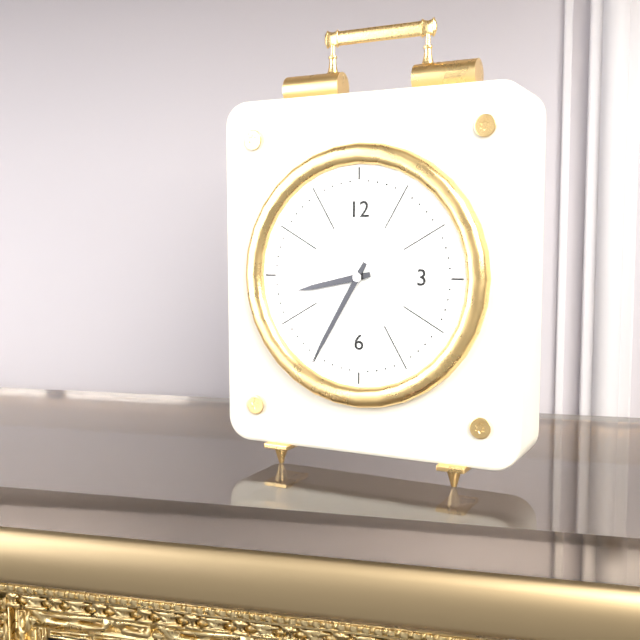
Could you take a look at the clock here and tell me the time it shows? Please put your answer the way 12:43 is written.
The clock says 8:35
